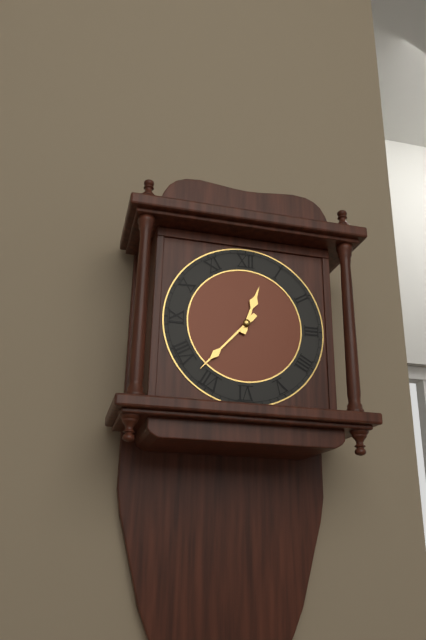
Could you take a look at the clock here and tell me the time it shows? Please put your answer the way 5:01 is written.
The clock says 12:37
